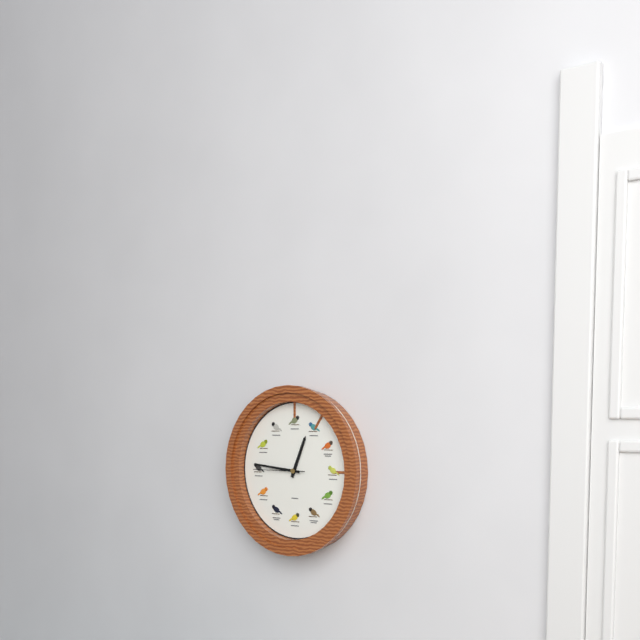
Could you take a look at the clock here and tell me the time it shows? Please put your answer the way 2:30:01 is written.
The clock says 12:46:45
